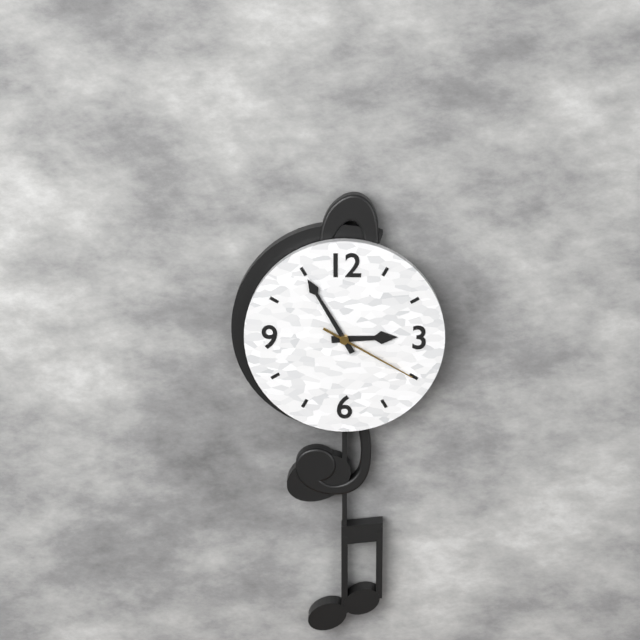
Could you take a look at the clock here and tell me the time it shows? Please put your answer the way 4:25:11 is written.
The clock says 2:55:20
